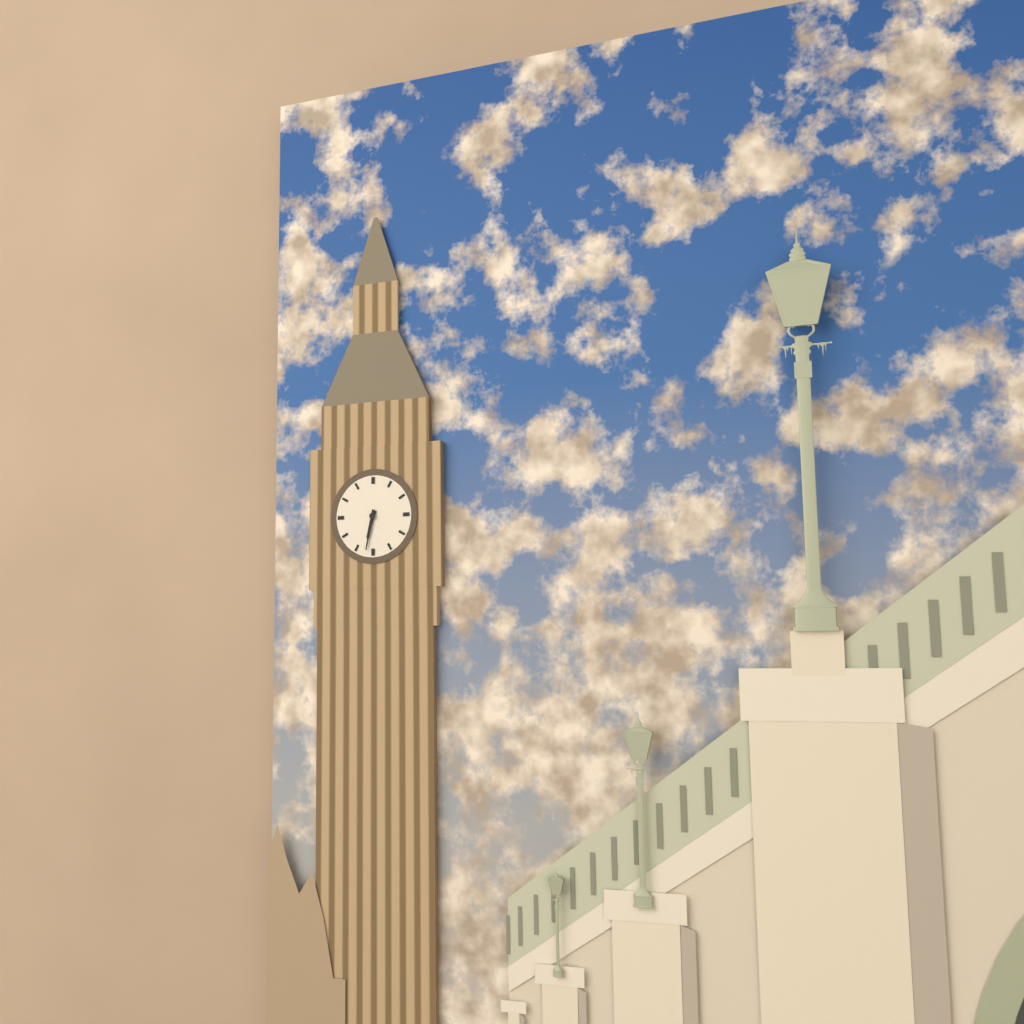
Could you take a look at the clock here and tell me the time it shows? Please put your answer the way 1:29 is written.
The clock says 6:32
